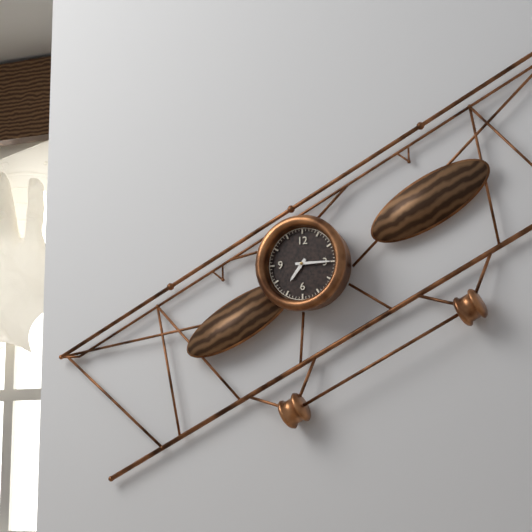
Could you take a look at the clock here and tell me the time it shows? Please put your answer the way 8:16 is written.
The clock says 7:15
